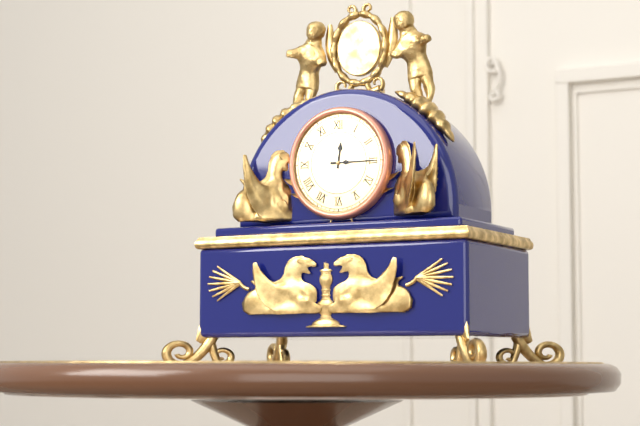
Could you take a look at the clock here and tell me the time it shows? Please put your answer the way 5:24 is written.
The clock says 12:15
